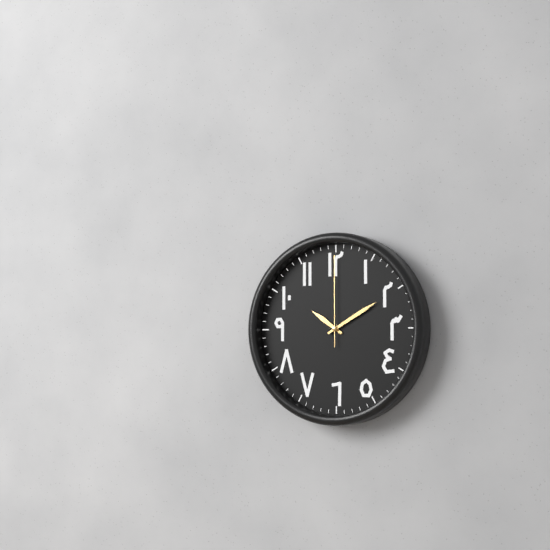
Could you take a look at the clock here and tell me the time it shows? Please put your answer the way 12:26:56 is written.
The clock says 10:10:00
